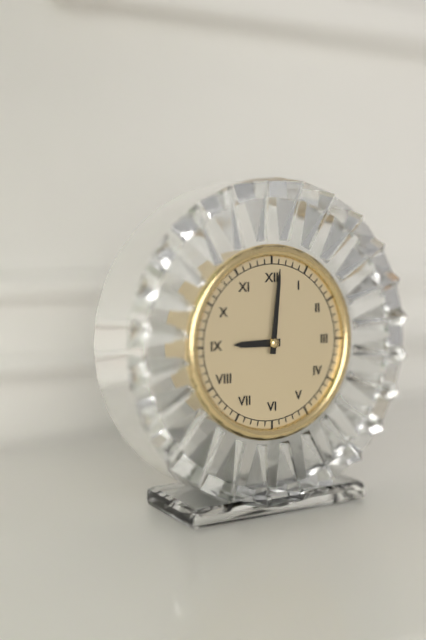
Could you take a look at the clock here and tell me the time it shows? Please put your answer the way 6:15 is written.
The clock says 9:01
